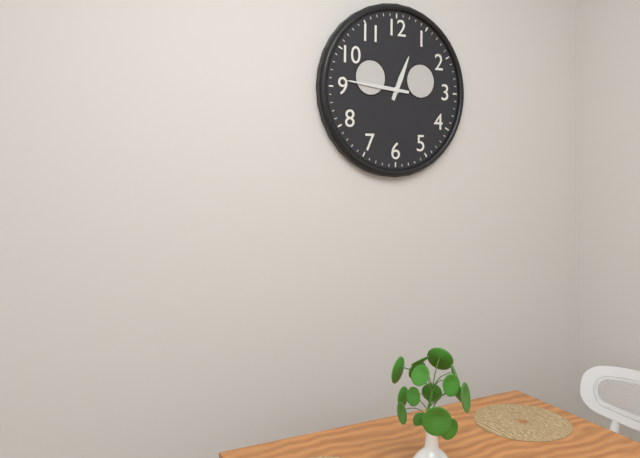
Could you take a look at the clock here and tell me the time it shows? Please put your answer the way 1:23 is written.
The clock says 12:46
